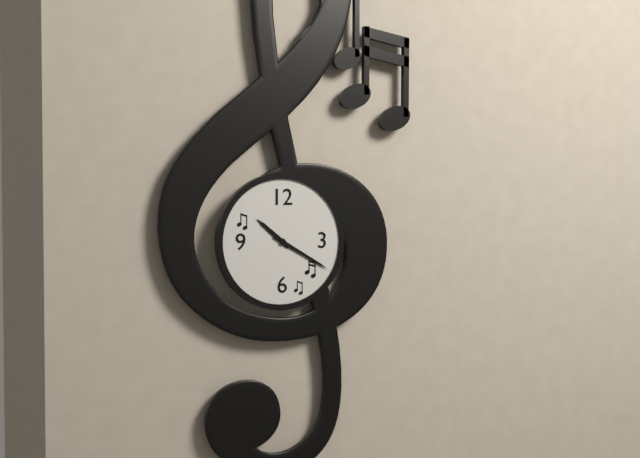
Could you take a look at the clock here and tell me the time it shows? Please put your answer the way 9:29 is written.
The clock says 10:20
